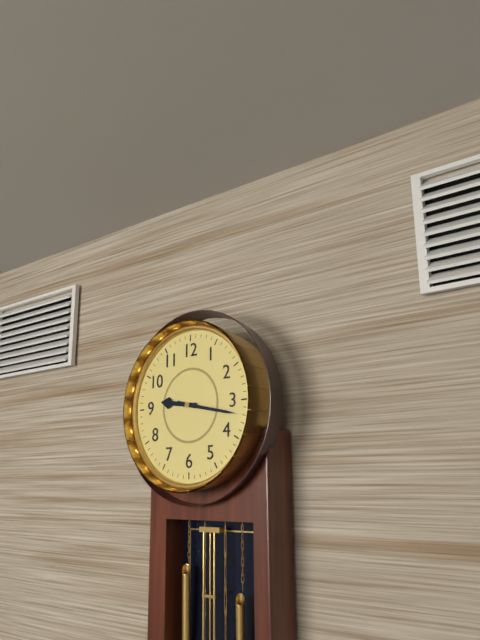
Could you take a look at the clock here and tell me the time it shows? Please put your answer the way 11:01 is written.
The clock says 9:17
